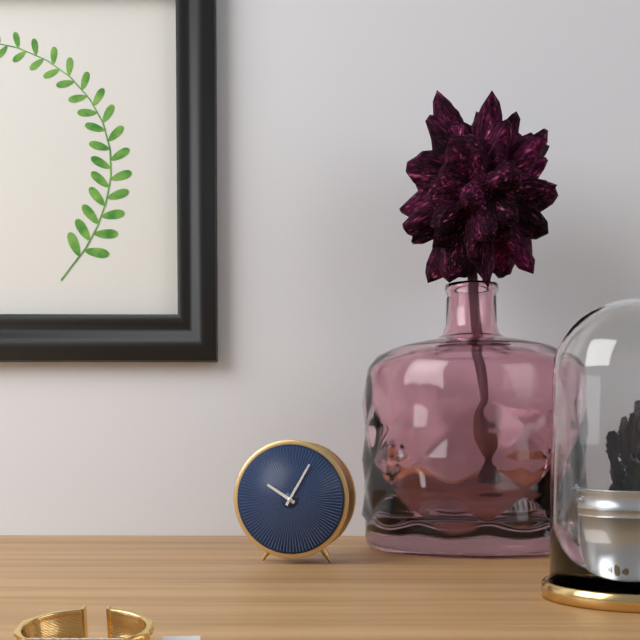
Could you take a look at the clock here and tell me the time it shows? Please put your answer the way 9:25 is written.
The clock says 10:05
